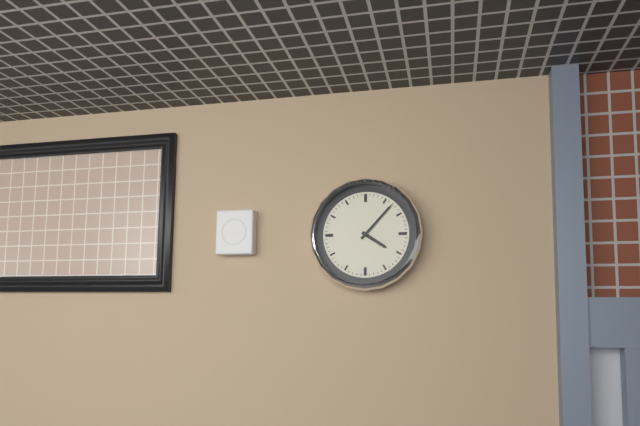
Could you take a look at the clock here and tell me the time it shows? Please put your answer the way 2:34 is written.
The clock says 4:07
